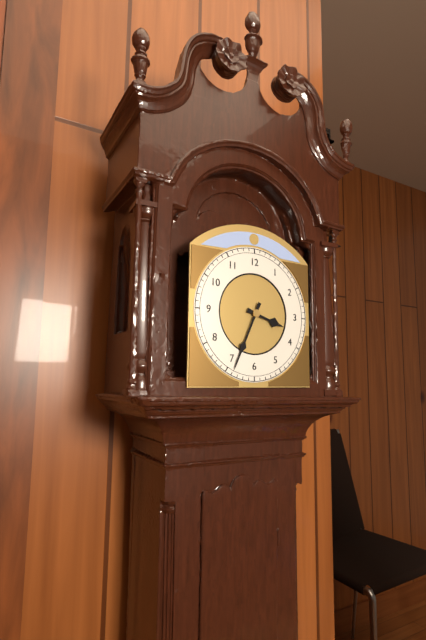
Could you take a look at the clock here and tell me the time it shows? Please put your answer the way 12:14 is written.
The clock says 3:34
